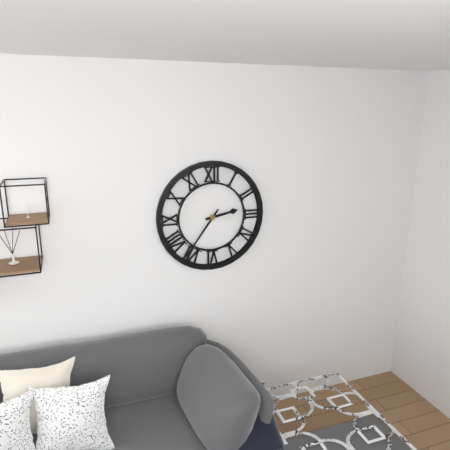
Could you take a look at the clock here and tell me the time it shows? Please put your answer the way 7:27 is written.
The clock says 2:36
